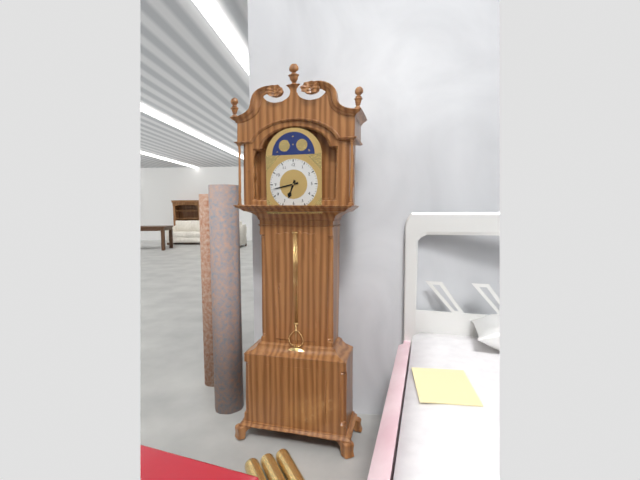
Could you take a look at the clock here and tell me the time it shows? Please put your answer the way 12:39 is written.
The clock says 6:43
